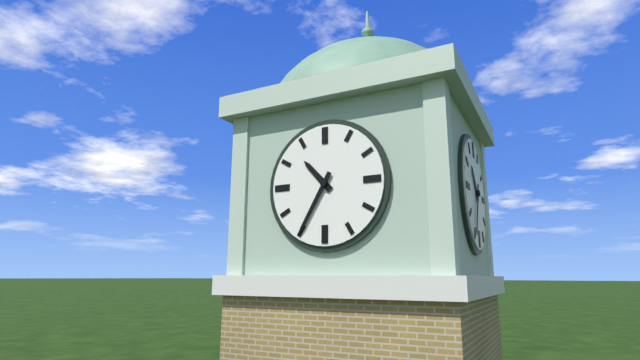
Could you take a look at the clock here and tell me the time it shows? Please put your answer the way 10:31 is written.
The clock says 10:35
